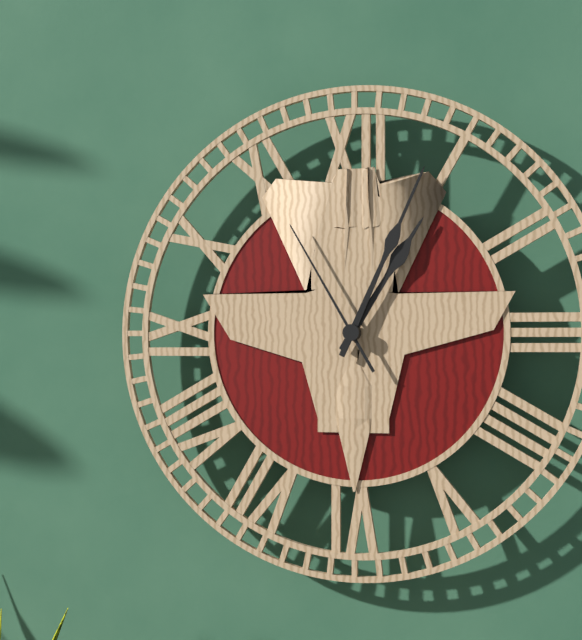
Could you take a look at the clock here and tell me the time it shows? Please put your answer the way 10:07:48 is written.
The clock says 1:04:55
